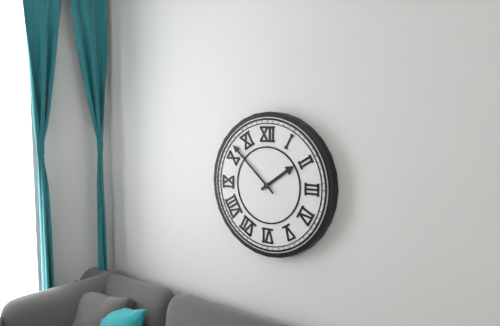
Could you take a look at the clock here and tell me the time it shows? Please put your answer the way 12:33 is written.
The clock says 1:52
